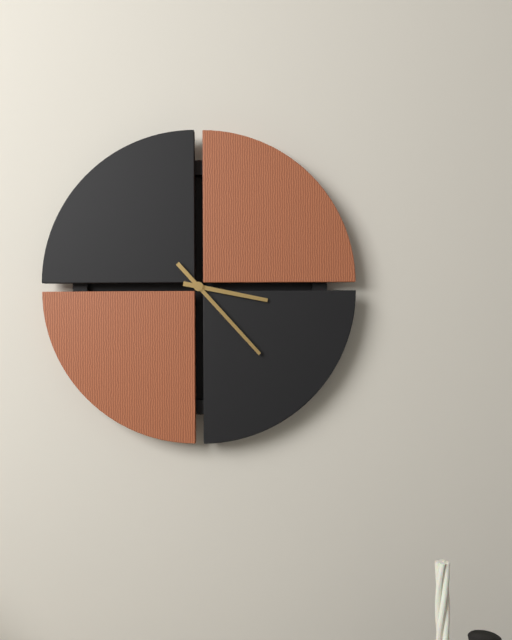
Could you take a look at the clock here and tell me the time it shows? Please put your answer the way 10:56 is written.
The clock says 3:23
